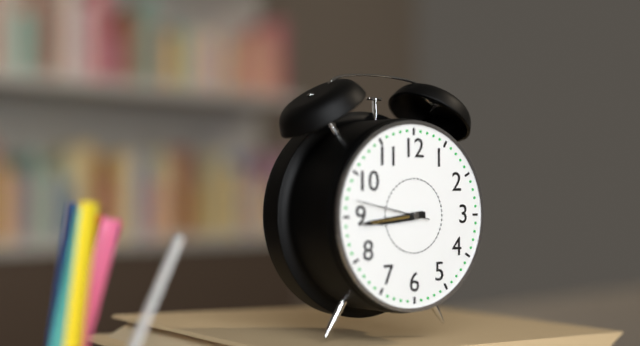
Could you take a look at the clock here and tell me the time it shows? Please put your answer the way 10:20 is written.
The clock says 8:44
